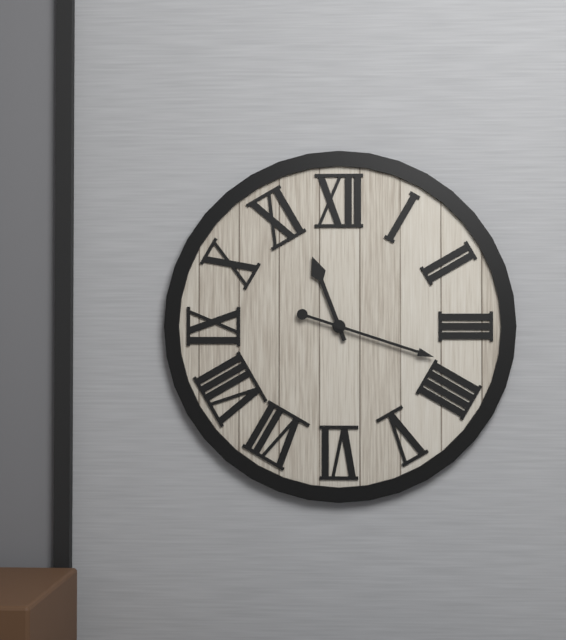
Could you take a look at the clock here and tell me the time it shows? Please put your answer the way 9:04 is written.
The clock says 11:18
